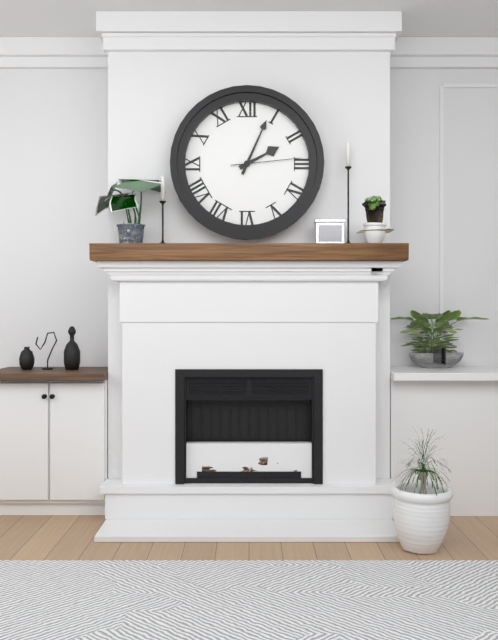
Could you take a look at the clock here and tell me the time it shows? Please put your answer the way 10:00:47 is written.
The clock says 2:04:14
